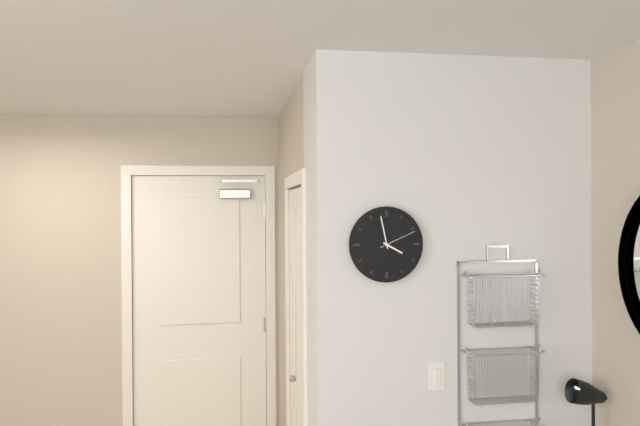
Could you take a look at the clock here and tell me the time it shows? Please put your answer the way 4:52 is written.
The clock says 3:58
